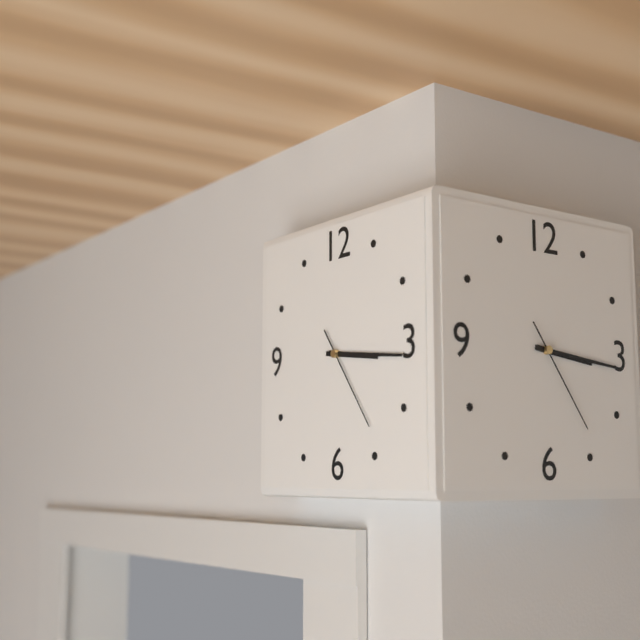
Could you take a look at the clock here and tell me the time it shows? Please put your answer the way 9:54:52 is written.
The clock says 3:16:24
